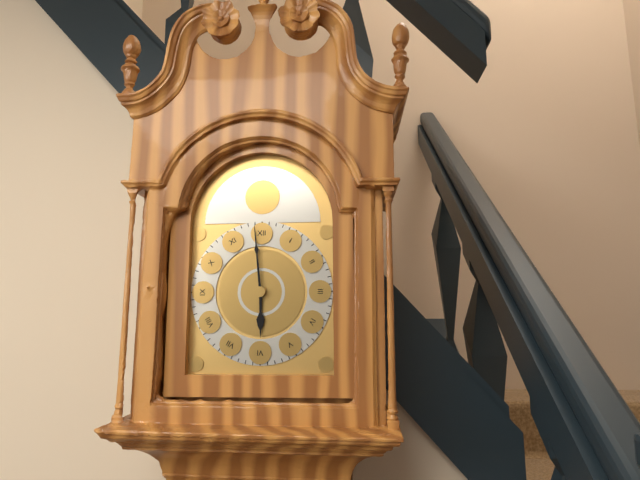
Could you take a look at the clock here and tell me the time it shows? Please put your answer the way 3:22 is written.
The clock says 5:59
